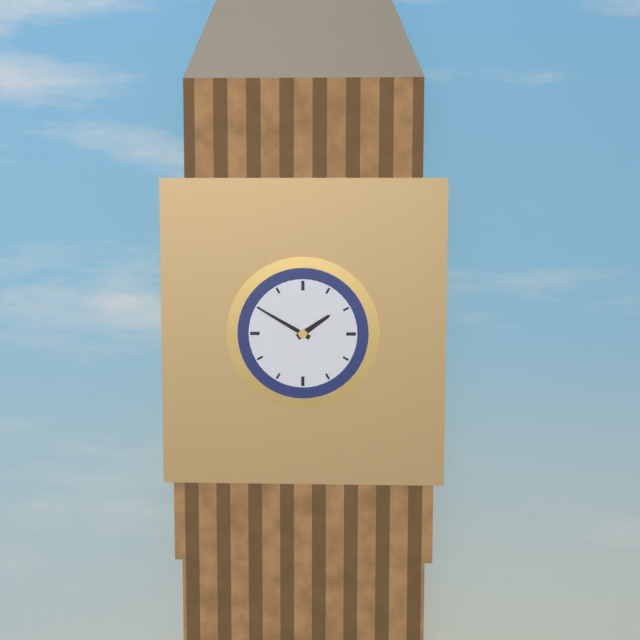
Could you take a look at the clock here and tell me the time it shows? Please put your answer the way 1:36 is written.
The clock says 1:50
